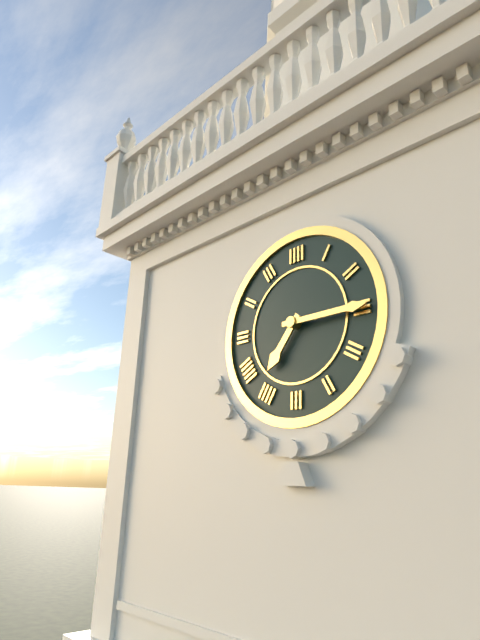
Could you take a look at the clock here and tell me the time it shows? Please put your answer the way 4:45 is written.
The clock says 7:15
